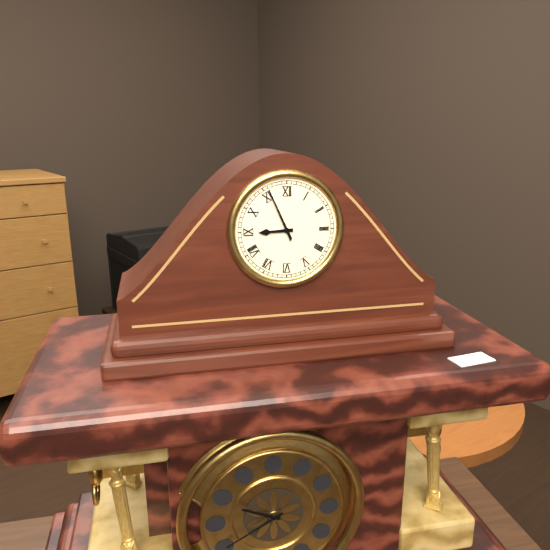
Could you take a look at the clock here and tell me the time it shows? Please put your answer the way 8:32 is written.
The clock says 8:56
